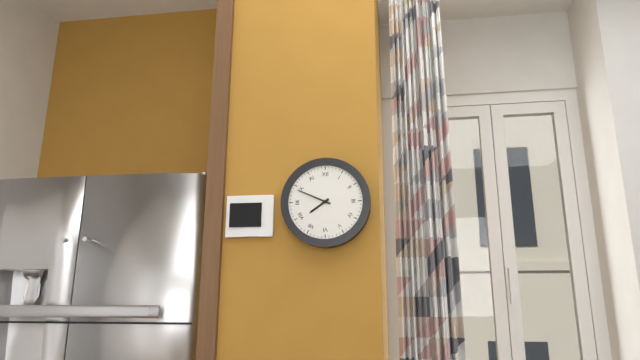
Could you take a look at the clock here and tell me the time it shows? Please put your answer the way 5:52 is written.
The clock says 7:49
